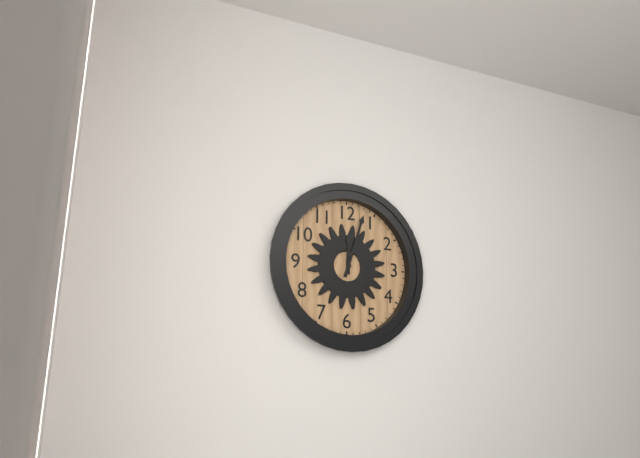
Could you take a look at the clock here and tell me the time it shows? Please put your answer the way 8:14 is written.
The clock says 12:03
